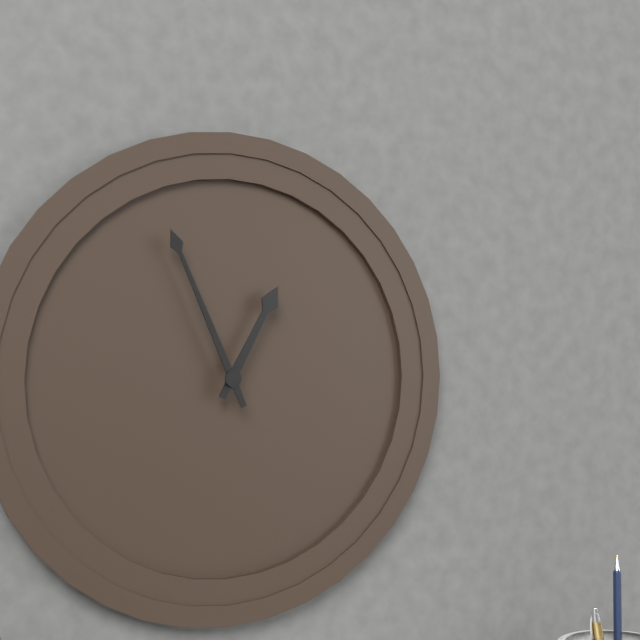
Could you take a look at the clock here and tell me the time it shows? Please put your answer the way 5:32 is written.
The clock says 12:56
